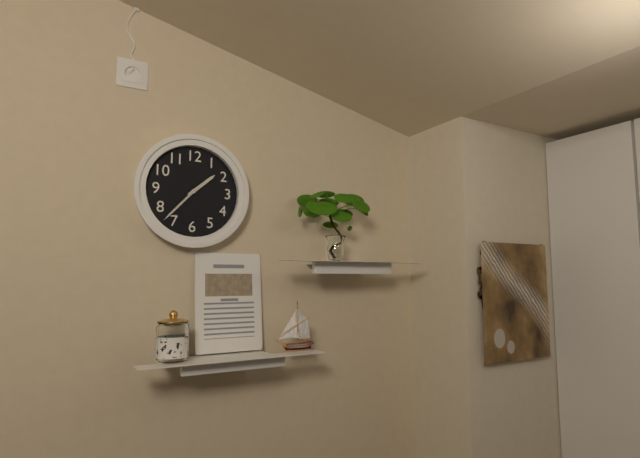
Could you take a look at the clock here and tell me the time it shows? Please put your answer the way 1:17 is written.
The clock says 1:37
